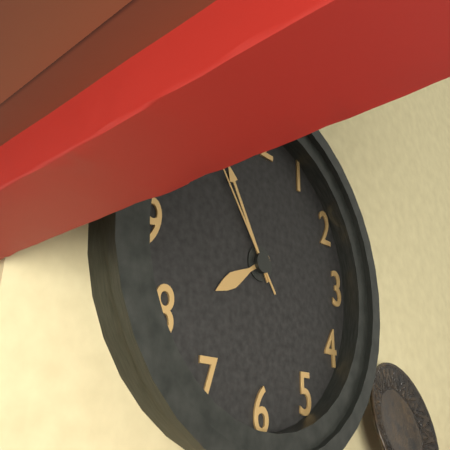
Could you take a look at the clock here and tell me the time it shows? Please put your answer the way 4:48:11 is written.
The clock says 7:55:54
